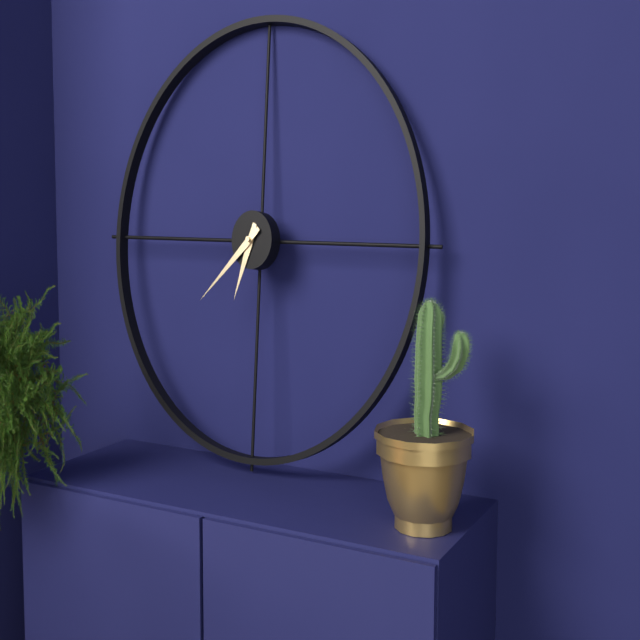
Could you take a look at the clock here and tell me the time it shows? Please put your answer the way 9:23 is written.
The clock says 6:38
